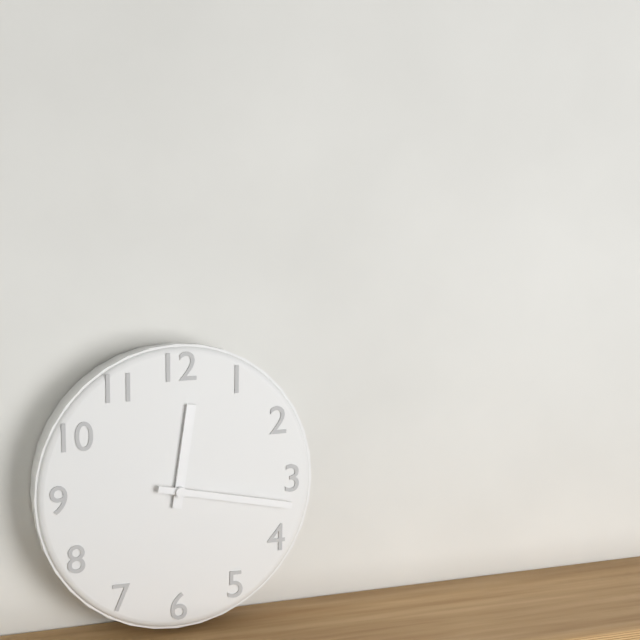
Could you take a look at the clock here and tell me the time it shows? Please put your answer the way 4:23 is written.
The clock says 12:17
